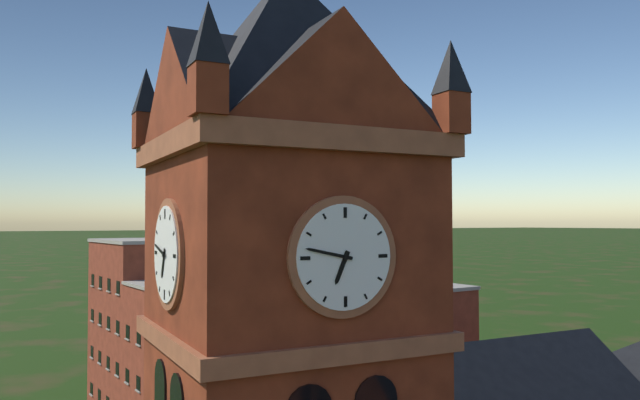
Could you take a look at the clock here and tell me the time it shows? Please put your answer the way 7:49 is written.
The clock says 6:47
